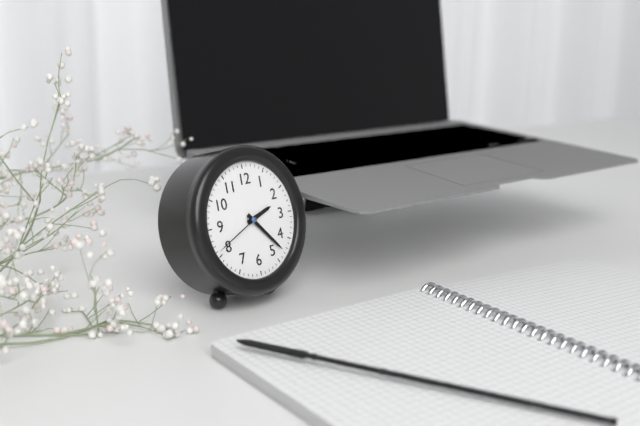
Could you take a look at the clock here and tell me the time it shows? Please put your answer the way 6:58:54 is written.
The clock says 2:23:41
